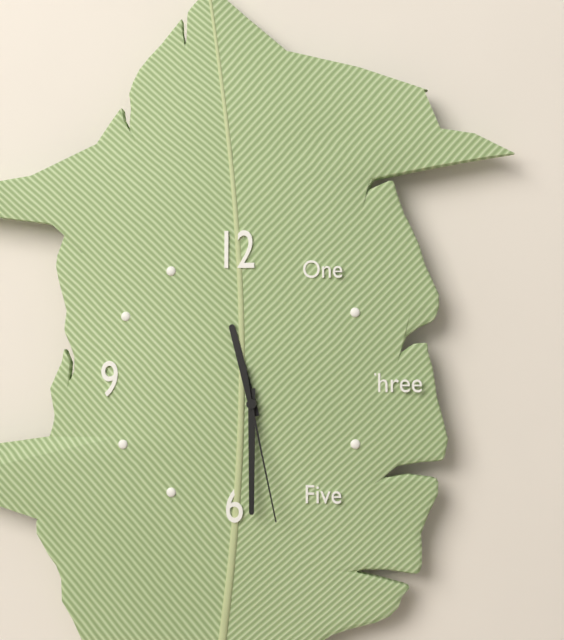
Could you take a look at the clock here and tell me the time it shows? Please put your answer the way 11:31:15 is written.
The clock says 11:30:28
